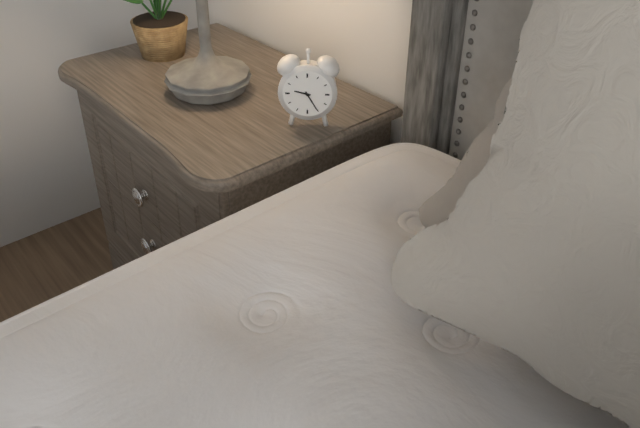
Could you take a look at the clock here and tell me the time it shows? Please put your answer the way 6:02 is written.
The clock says 9:25
